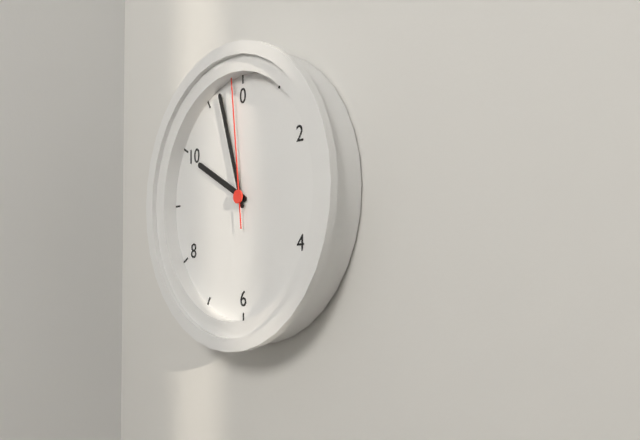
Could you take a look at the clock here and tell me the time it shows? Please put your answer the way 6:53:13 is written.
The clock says 9:57:59
